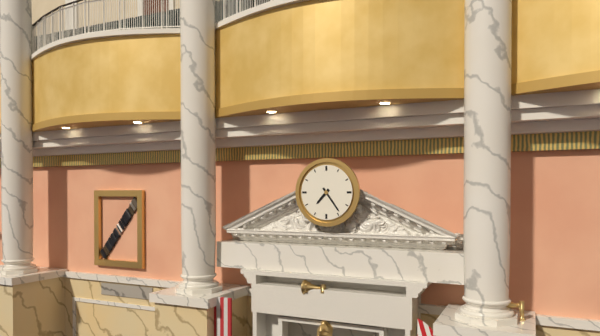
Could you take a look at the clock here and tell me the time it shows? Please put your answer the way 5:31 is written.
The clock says 7:24
